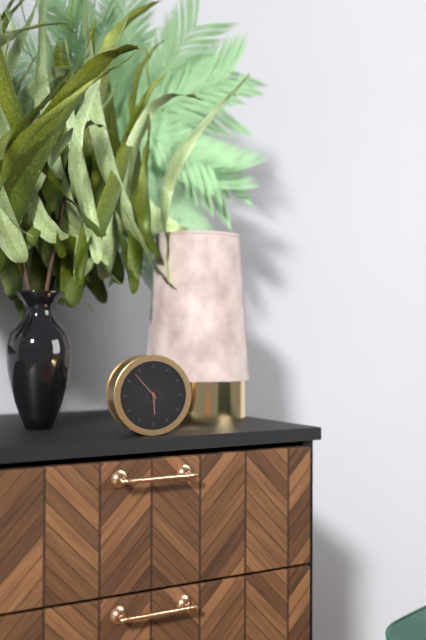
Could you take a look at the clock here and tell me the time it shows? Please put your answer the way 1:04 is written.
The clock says 5:53
